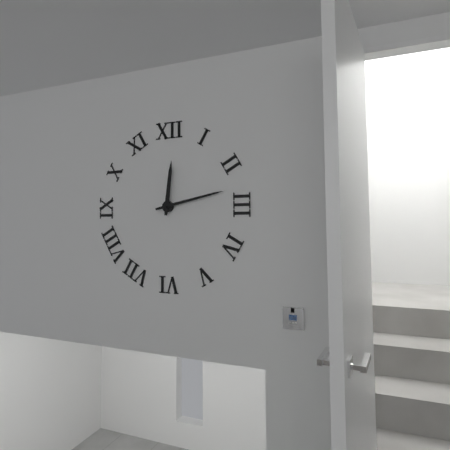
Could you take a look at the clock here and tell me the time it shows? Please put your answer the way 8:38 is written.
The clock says 12:13
